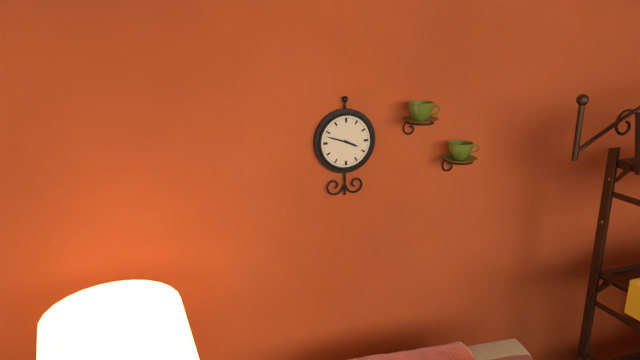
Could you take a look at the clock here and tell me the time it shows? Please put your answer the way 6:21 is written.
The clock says 3:48
